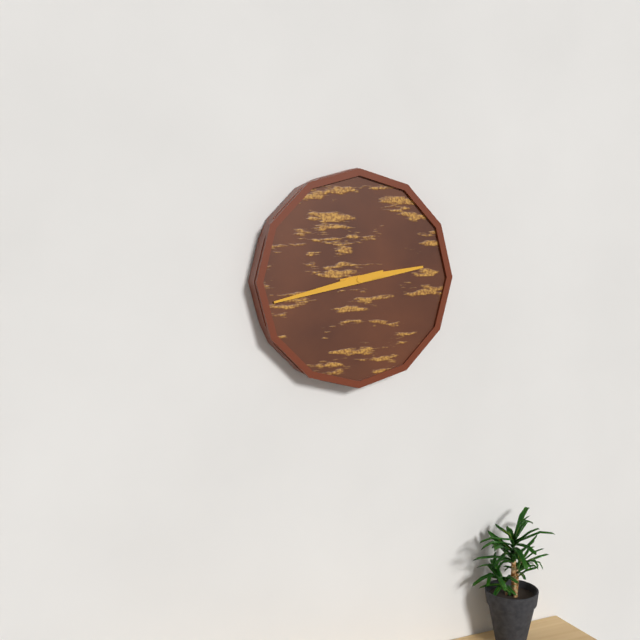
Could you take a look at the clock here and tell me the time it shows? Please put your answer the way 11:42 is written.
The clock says 2:43
